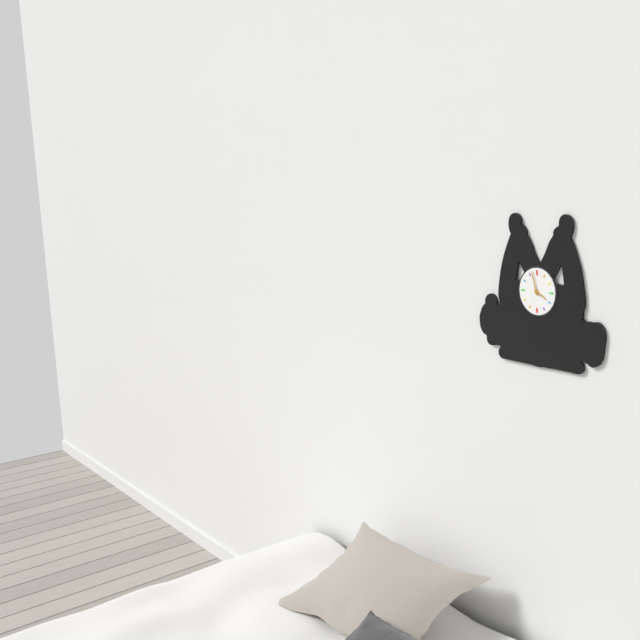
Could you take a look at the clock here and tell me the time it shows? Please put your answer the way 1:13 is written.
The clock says 3:57
